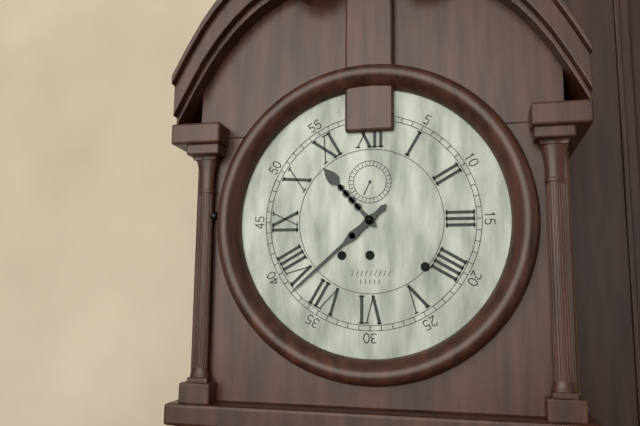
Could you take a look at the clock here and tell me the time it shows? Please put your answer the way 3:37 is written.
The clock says 10:38
